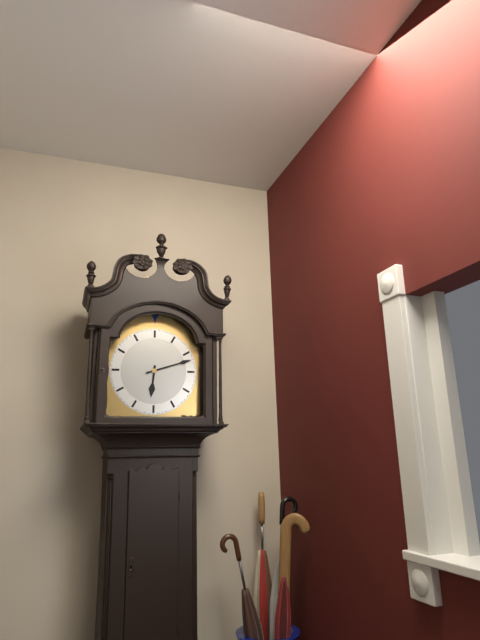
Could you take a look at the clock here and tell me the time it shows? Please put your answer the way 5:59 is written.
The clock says 6:12
